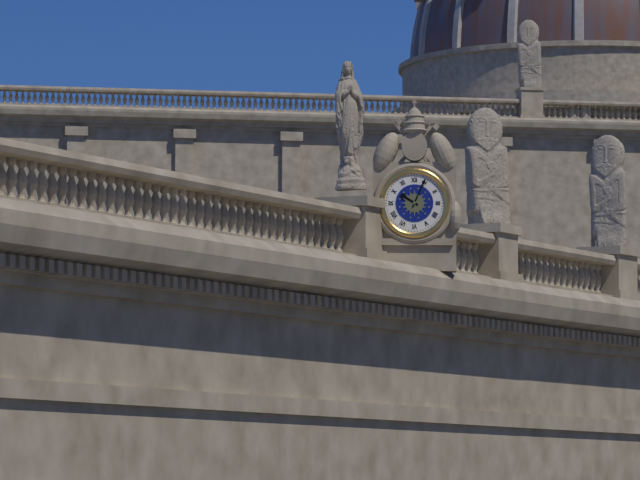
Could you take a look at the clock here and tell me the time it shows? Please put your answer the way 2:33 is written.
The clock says 10:04
